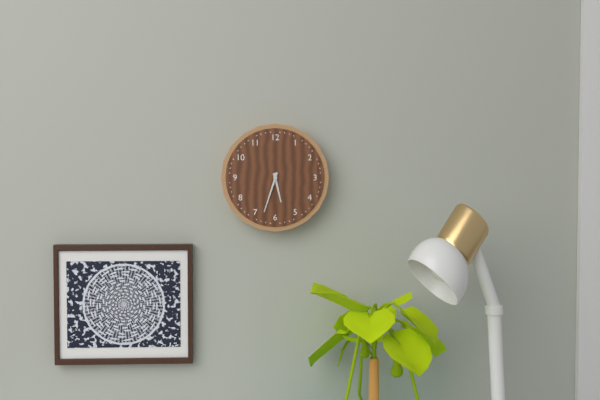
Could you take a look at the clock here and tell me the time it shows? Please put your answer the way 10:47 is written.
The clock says 5:33
